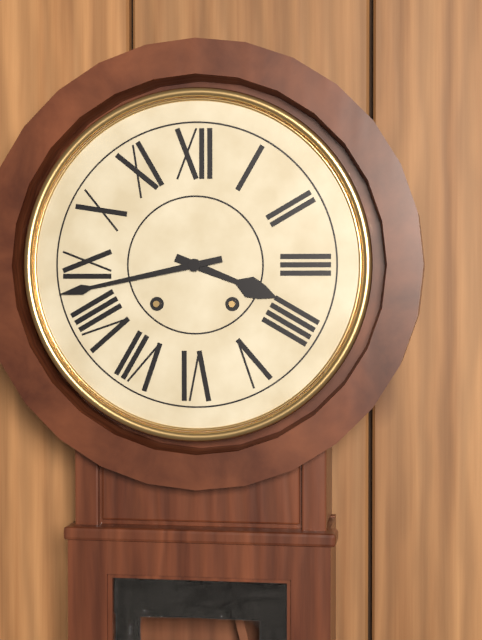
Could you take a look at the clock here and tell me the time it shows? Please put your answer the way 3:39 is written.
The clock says 3:43
